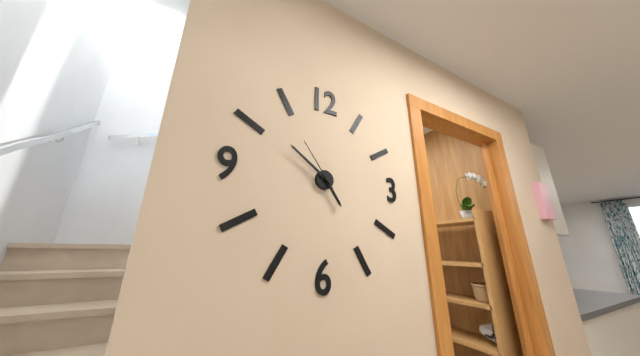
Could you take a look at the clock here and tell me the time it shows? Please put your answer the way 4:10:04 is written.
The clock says 4:51:54
